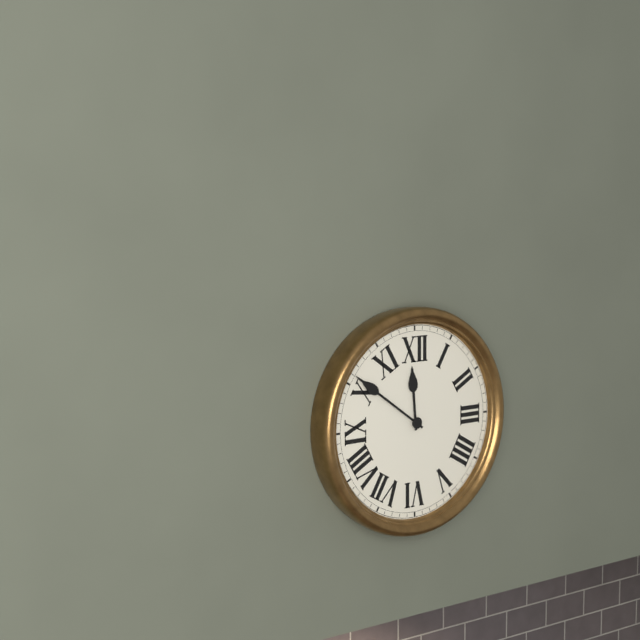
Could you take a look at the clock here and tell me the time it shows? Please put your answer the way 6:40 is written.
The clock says 11:51
